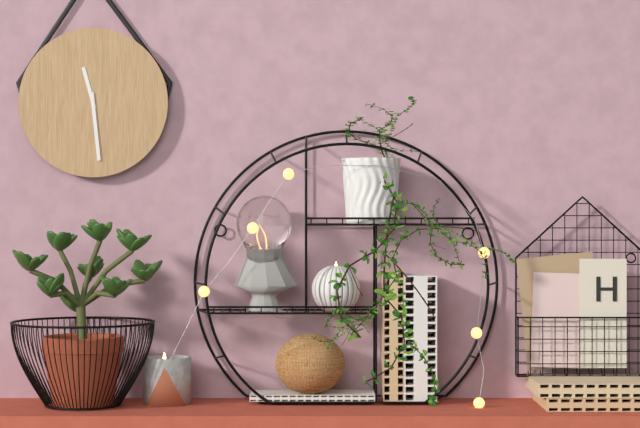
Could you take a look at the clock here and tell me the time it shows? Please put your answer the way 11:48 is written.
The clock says 11:29
